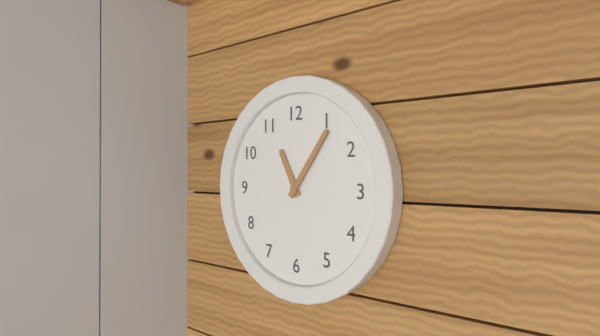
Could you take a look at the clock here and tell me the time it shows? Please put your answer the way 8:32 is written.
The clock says 11:06
